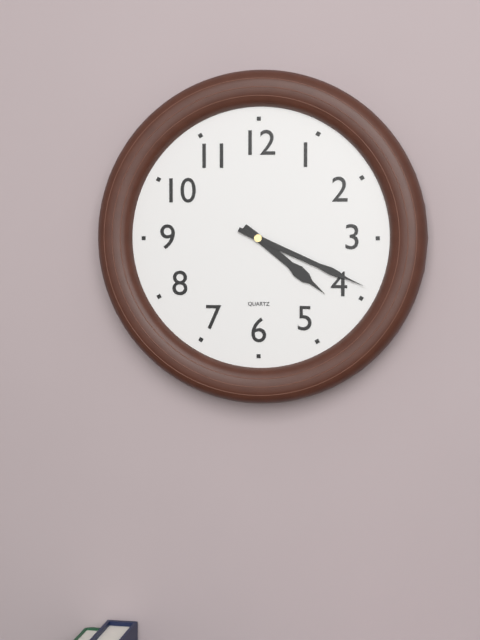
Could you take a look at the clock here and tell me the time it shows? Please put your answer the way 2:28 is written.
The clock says 4:19
